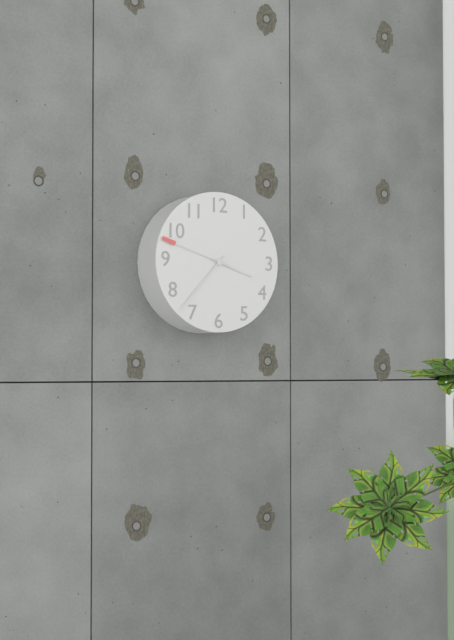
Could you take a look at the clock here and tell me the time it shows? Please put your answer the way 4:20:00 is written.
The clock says 3:37:48
